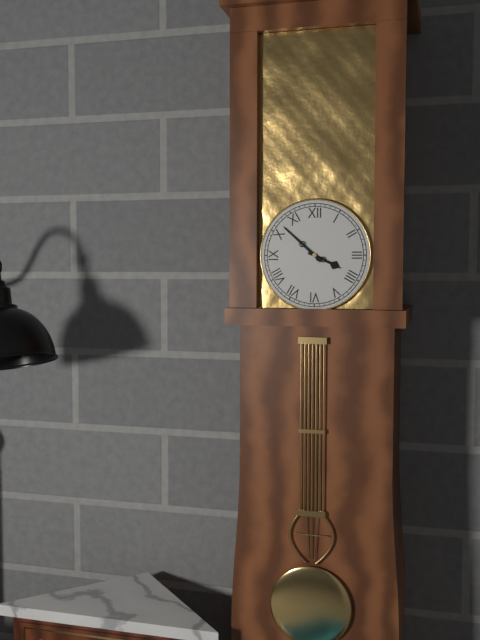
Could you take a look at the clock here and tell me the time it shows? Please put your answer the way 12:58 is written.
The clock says 3:52
